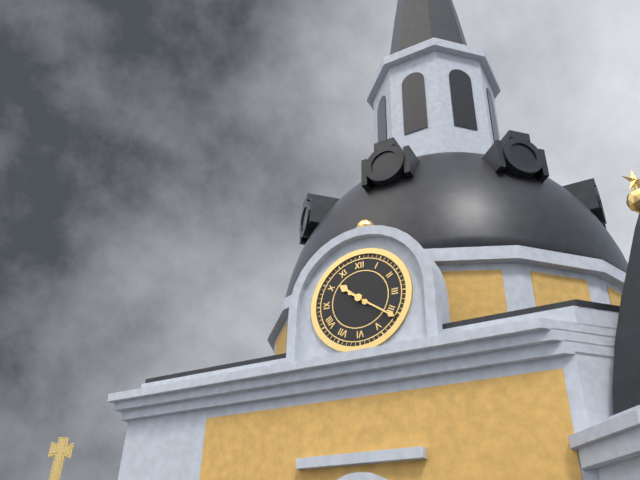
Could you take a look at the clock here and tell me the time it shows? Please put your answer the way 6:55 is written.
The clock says 10:21
